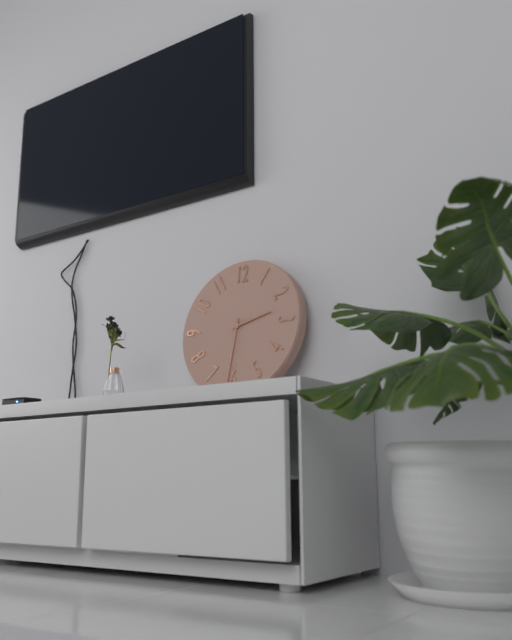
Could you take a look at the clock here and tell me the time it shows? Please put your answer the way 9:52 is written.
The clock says 2:31
